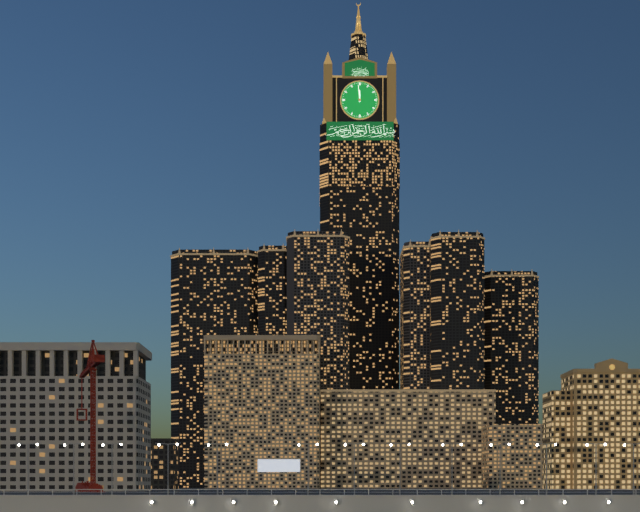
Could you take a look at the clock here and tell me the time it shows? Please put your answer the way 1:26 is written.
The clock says 11:59
